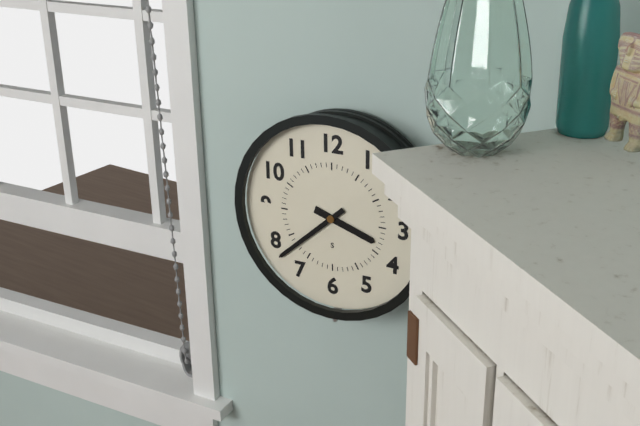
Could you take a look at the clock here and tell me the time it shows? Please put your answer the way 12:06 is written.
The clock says 3:38
